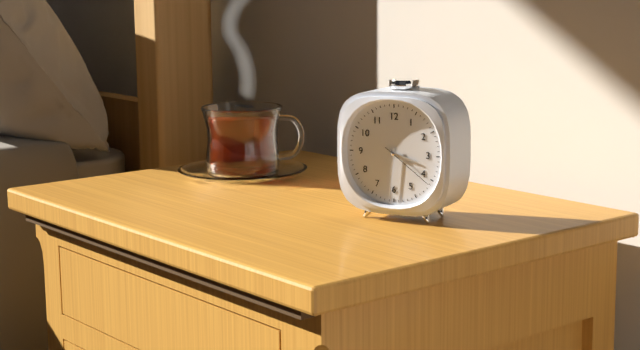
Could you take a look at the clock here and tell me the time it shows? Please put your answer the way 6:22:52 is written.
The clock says 3:31:21
